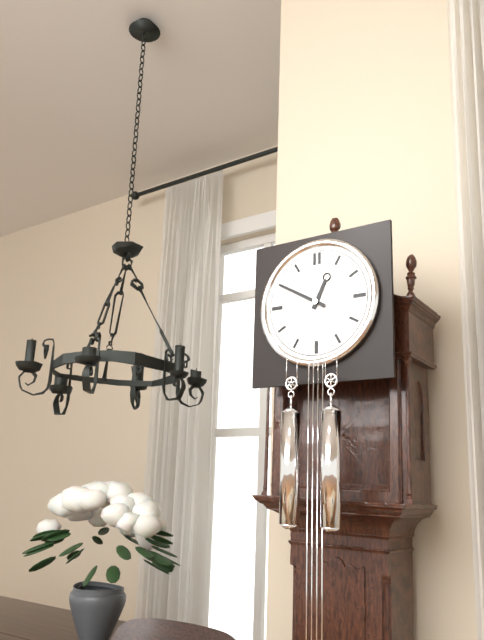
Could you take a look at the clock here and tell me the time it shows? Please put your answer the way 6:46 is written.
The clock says 12:50
